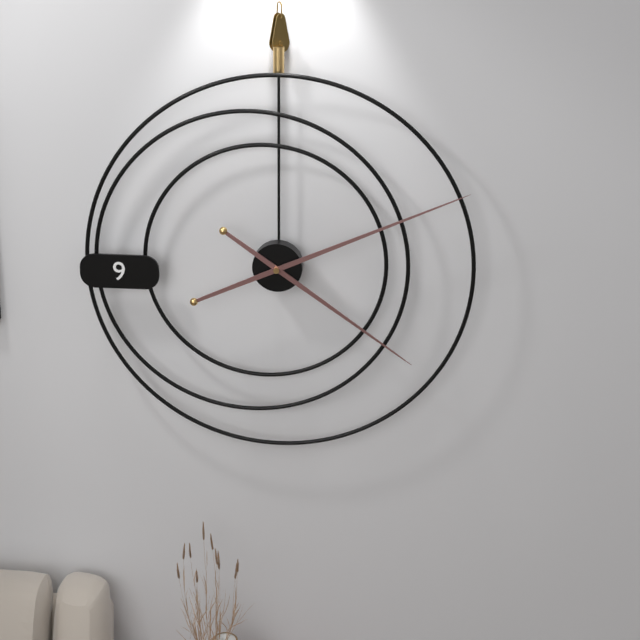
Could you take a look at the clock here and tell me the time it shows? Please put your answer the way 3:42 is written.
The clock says 4:11
